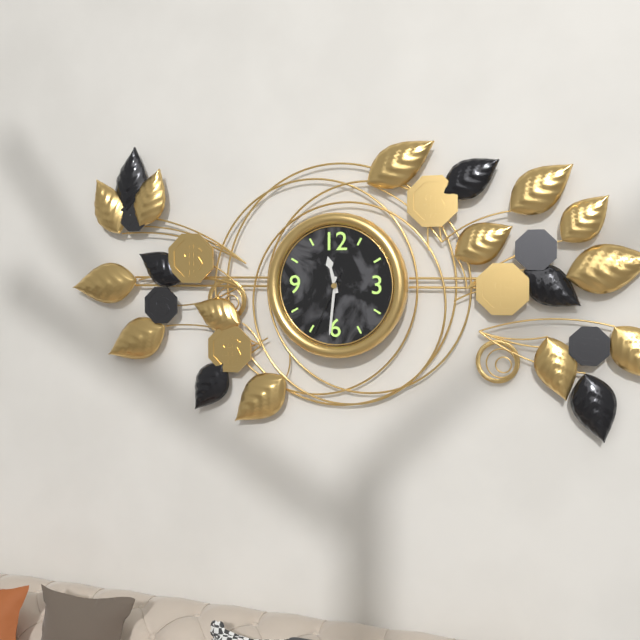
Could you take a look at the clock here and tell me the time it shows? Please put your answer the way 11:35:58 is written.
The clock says 11:31:34
